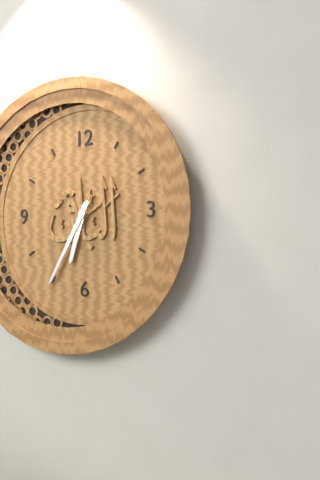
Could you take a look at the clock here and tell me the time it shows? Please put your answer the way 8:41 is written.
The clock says 6:35
